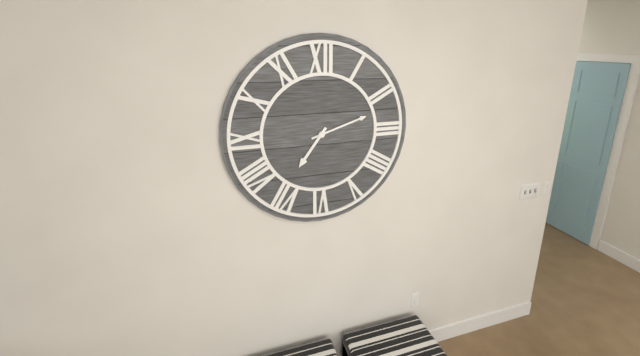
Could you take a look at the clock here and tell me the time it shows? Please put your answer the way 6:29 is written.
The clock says 7:12
